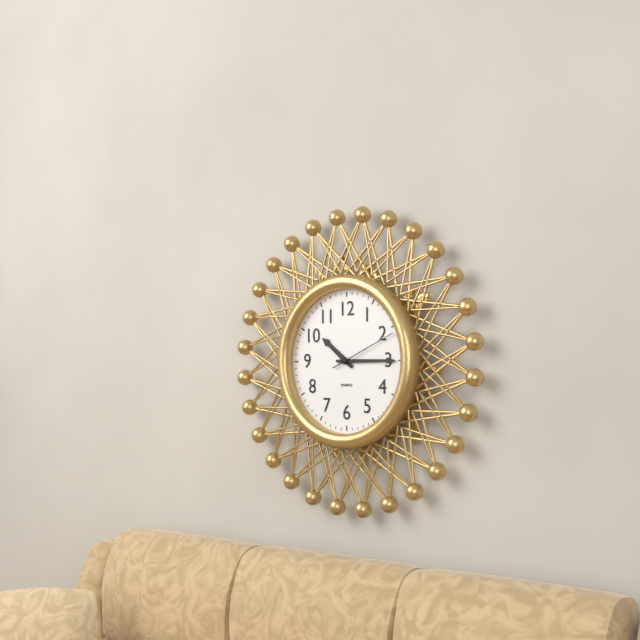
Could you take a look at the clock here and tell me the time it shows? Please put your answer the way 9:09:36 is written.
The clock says 10:15:11
